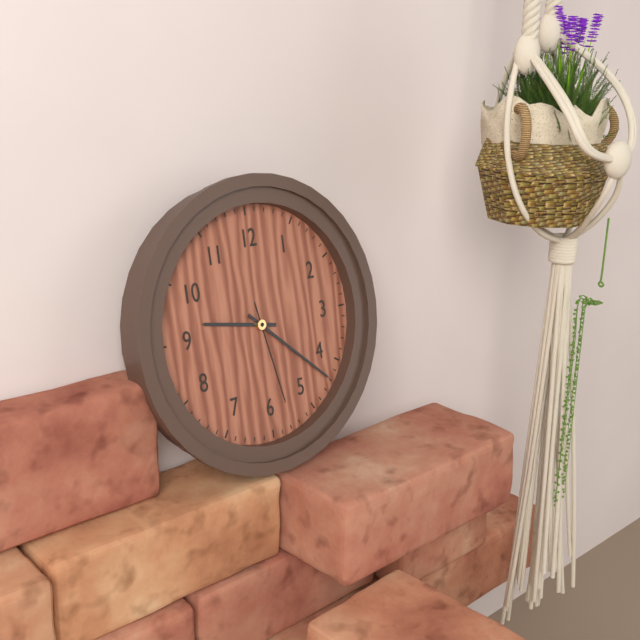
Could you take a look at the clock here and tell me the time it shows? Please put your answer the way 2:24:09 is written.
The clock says 9:22:28
